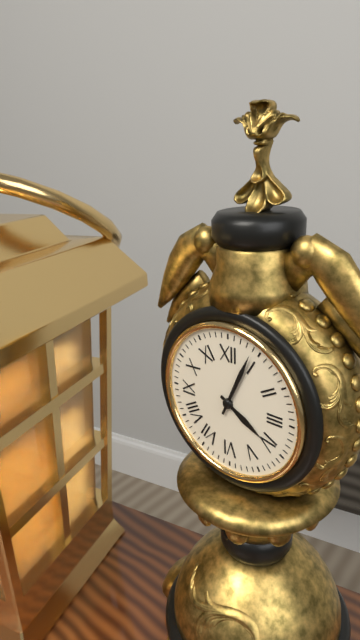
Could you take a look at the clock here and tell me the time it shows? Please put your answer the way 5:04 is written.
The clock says 4:04
